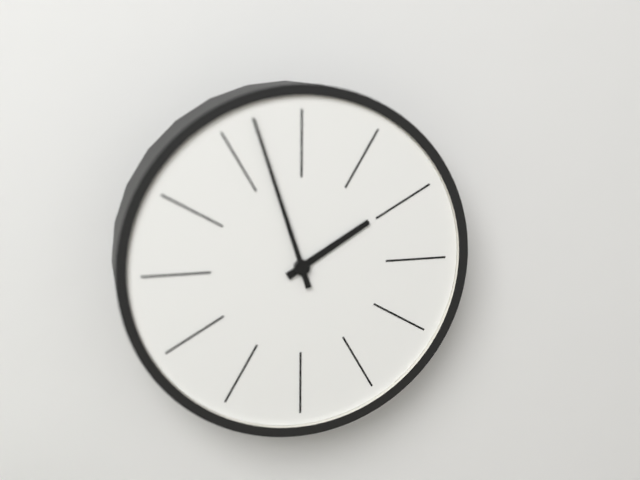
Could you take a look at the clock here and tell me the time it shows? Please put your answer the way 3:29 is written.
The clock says 1:57
